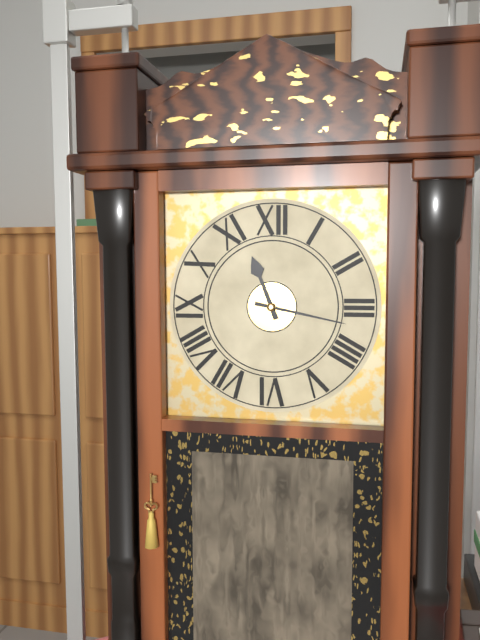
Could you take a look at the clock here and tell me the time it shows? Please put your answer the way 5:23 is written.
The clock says 11:17
